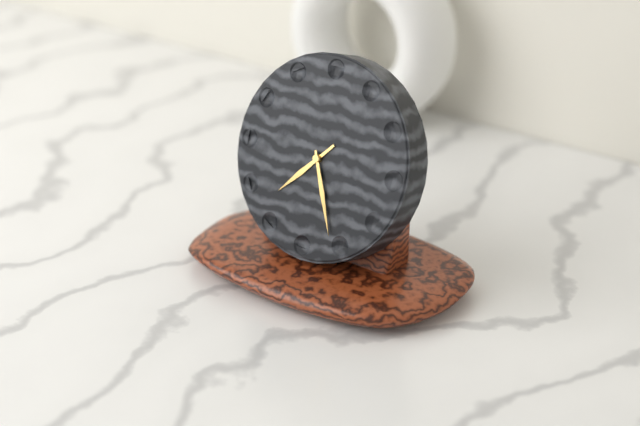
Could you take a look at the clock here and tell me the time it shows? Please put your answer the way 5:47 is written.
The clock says 7:26
